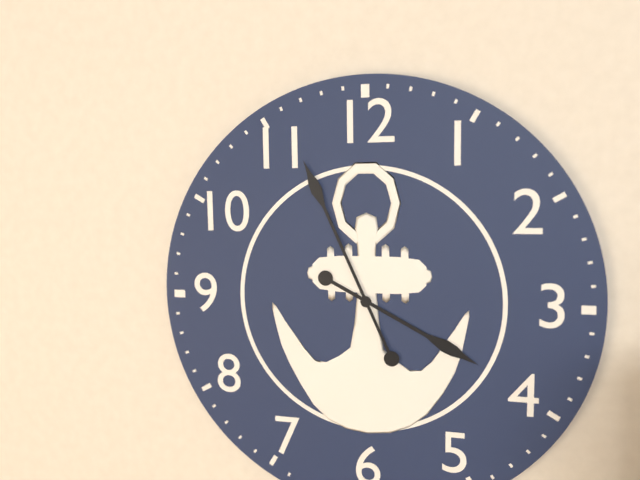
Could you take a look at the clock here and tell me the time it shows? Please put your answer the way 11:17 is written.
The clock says 3:56
